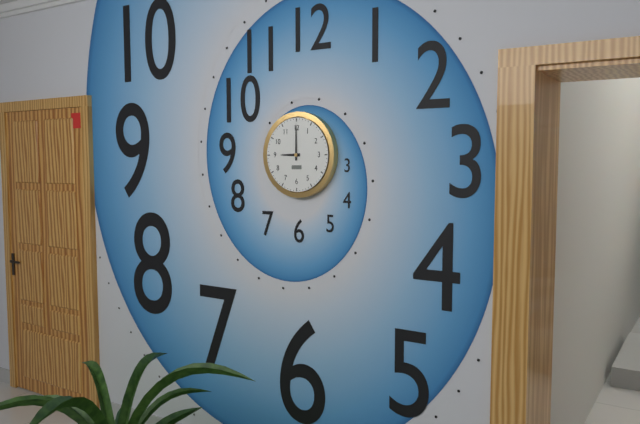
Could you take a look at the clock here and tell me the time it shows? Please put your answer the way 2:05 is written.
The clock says 9:00
